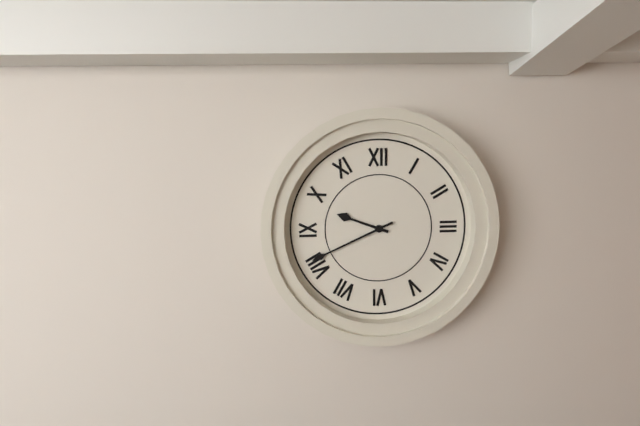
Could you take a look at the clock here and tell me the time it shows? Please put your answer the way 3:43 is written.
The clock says 9:41
